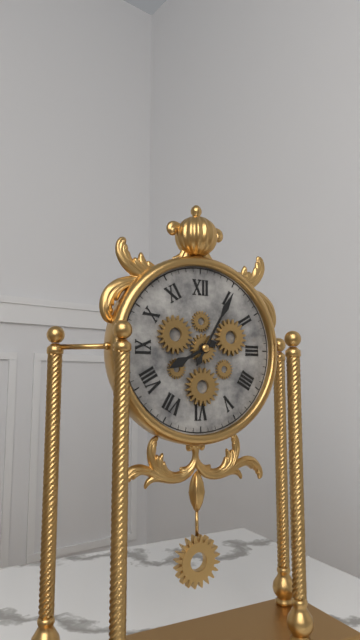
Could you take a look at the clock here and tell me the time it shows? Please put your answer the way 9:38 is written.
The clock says 8:05
